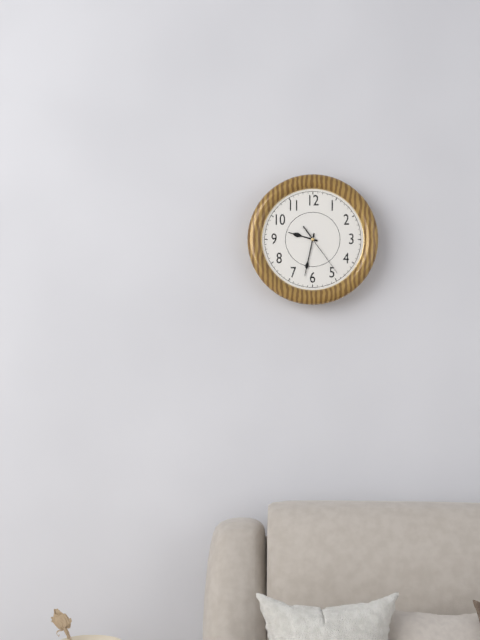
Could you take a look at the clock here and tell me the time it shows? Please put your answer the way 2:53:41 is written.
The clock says 9:32:24
